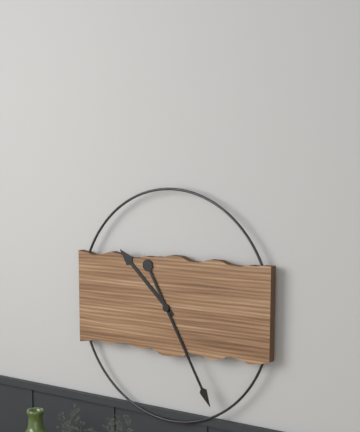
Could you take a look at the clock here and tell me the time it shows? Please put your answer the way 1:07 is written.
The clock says 10:25
